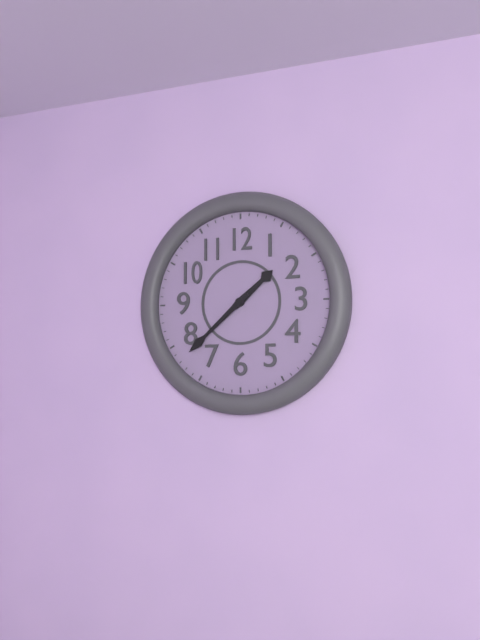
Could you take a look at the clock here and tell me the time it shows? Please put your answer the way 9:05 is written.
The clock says 1:38
